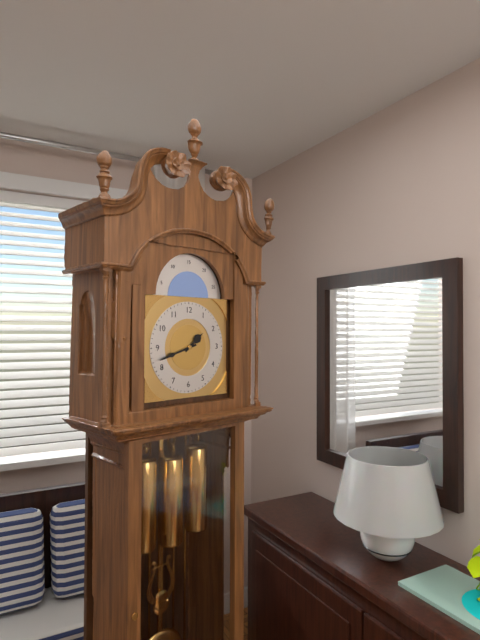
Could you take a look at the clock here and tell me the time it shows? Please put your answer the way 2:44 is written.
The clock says 1:42
